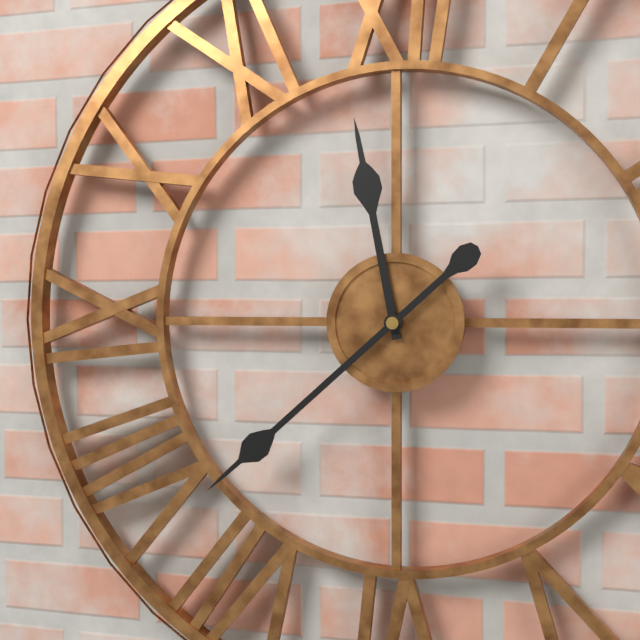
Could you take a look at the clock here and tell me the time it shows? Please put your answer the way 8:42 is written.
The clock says 11:38
